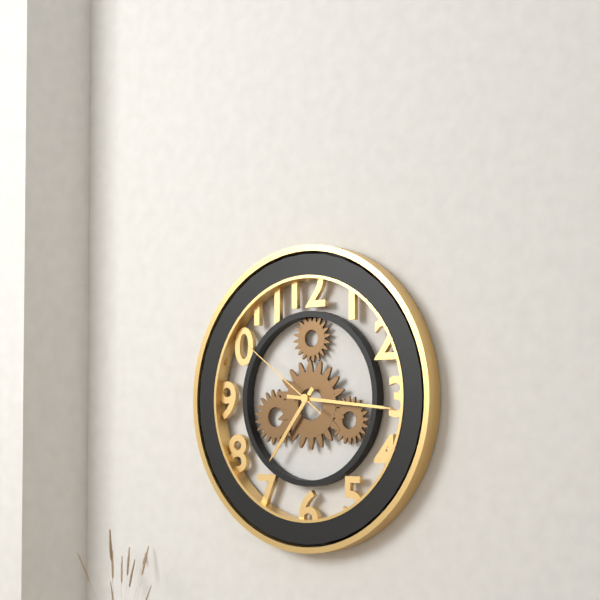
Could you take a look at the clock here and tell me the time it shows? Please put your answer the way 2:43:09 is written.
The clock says 7:16:51
